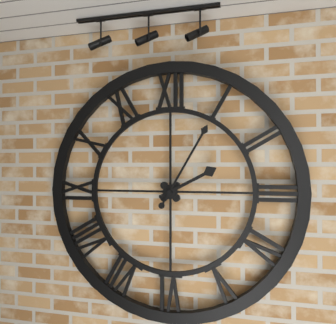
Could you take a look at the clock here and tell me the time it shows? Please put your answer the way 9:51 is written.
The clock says 2:05
